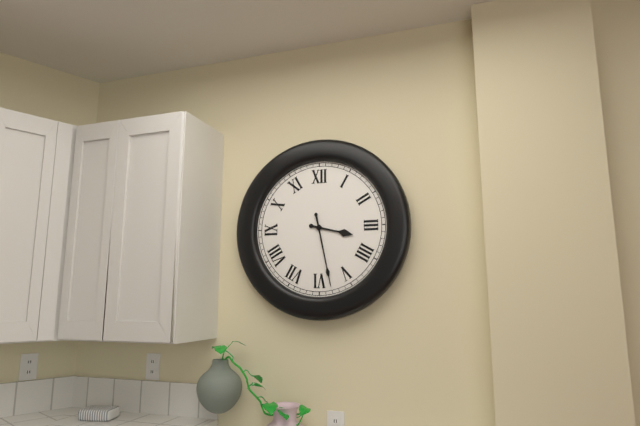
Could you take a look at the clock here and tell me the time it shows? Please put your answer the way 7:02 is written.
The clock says 3:28
